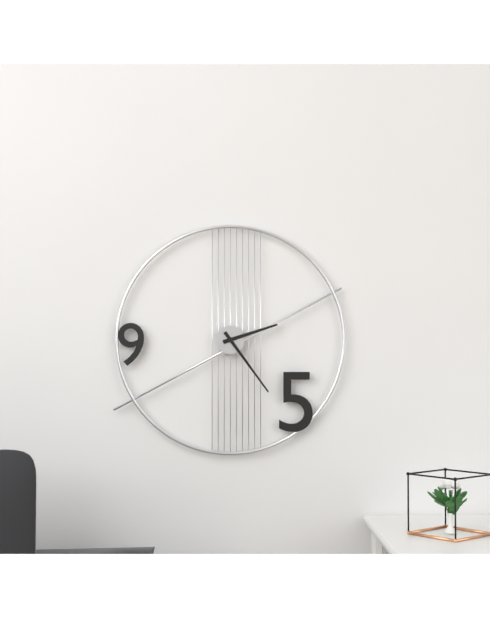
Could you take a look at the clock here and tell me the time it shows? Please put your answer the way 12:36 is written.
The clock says 2:24
